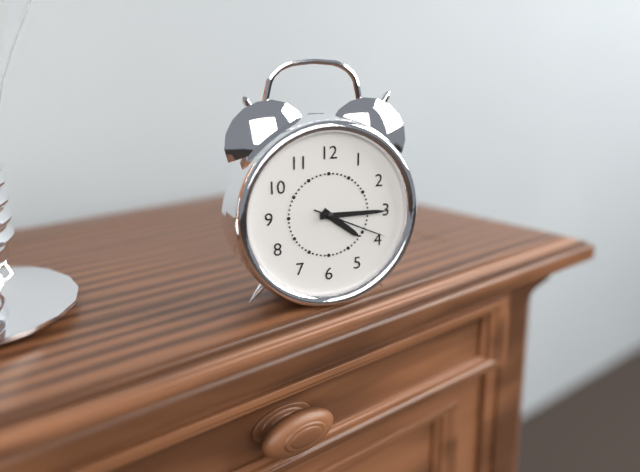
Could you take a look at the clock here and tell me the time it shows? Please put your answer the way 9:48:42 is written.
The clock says 4:15:19
